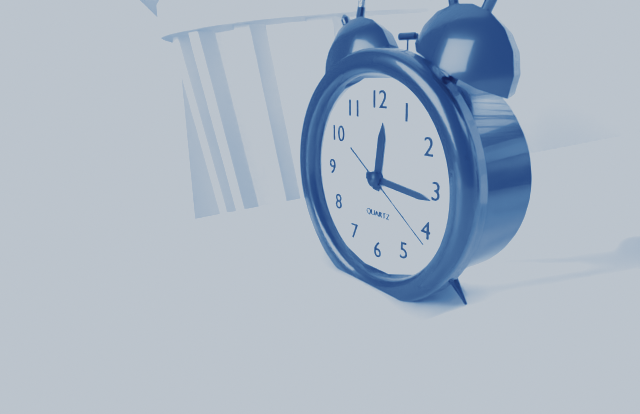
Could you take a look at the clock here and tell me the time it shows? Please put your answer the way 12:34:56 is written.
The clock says 12:16:21
